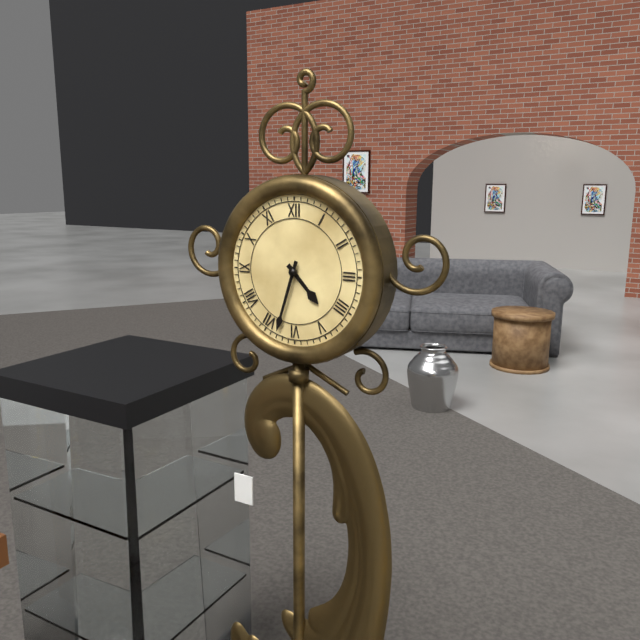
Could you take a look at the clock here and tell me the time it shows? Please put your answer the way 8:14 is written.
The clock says 4:33
